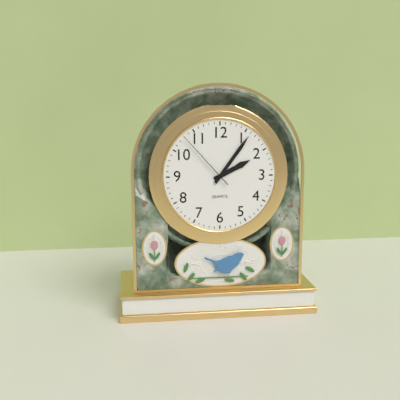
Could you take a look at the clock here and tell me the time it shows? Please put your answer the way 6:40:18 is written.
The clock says 2:06:53
